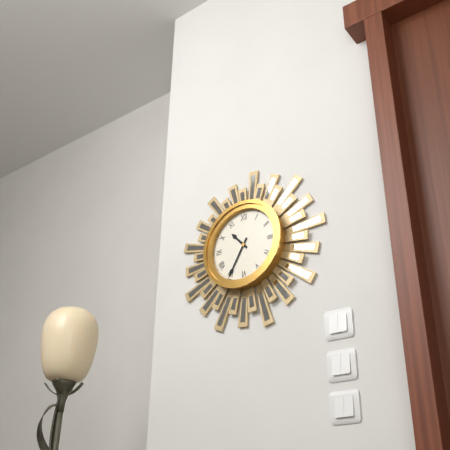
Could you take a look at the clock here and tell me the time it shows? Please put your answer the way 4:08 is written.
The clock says 10:35
